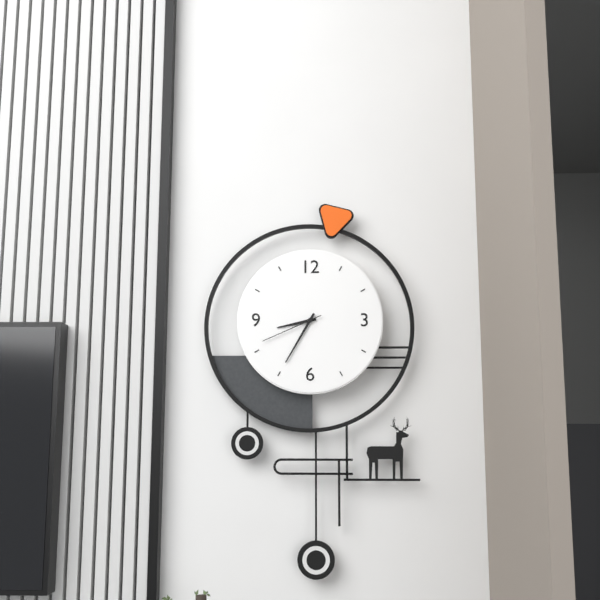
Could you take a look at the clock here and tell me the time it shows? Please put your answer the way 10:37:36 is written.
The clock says 8:35:41
